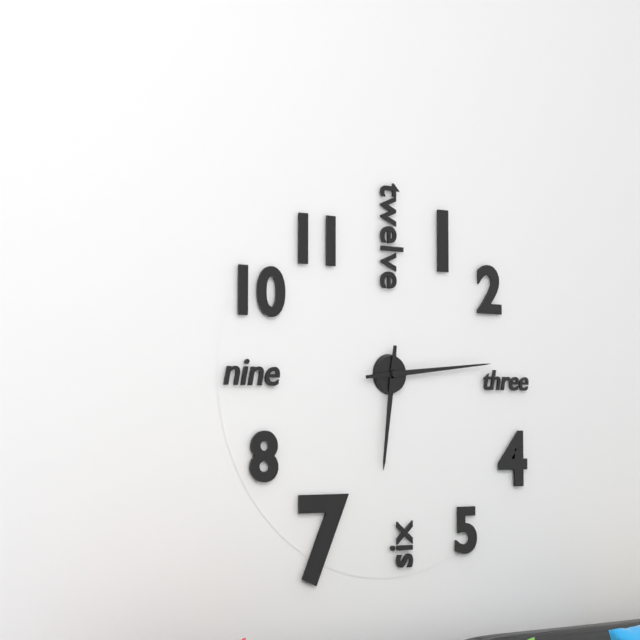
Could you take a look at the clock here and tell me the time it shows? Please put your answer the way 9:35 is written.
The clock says 6:14
